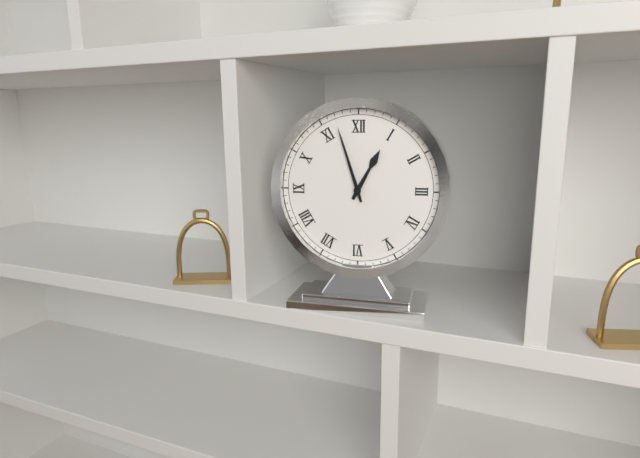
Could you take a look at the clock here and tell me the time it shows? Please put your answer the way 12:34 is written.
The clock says 12:57
